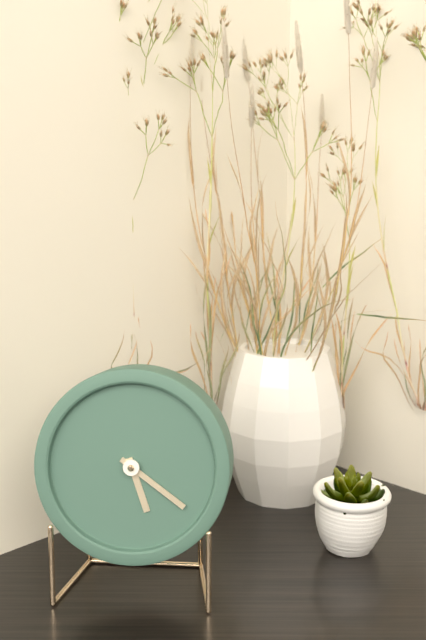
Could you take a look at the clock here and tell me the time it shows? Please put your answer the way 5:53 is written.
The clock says 5:21
